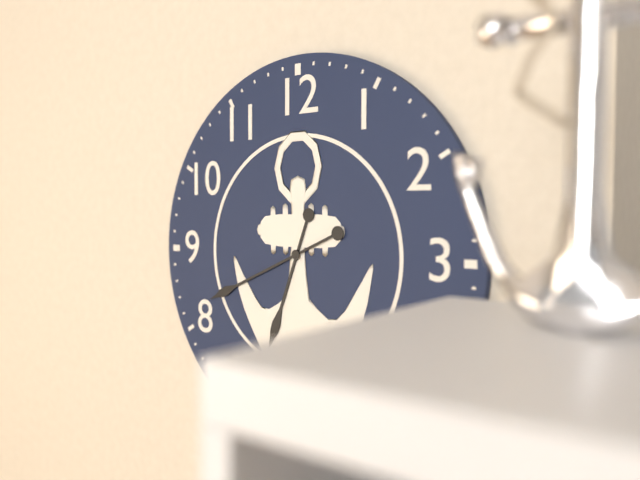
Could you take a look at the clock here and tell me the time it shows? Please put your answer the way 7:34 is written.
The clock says 6:41
